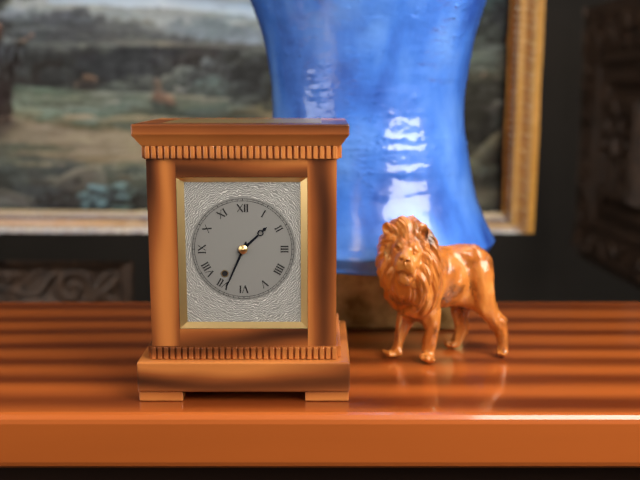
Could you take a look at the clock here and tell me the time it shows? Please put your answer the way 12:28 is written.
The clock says 1:34
